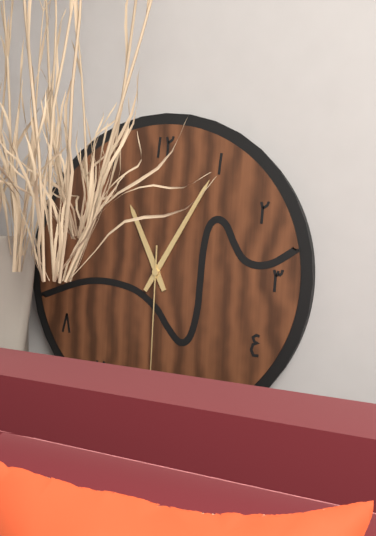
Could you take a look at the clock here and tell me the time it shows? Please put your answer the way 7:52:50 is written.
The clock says 11:05:30
